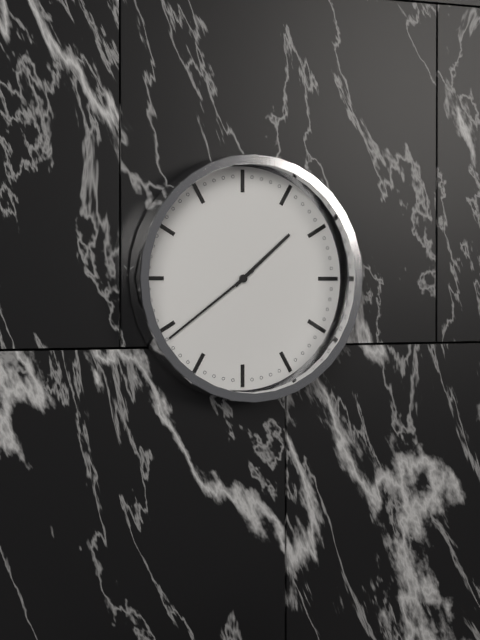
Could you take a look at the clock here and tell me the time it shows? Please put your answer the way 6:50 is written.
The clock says 1:39
